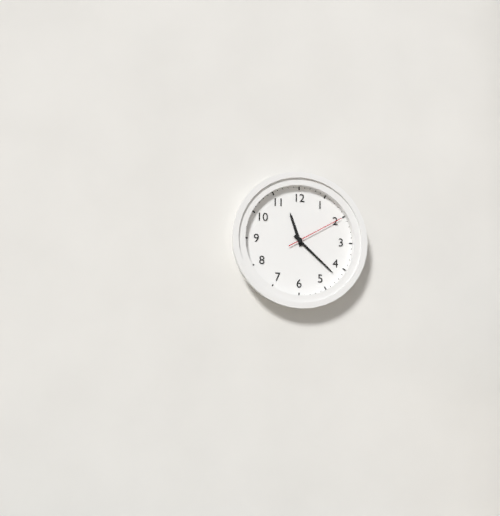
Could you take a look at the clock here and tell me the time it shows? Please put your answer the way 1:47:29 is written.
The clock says 11:22:10
